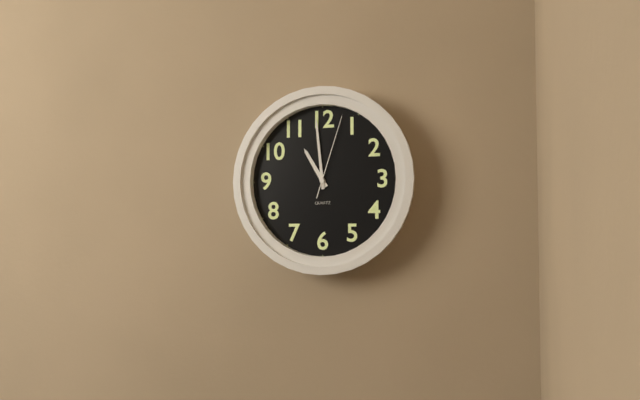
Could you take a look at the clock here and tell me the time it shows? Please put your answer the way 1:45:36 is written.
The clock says 10:59:03
